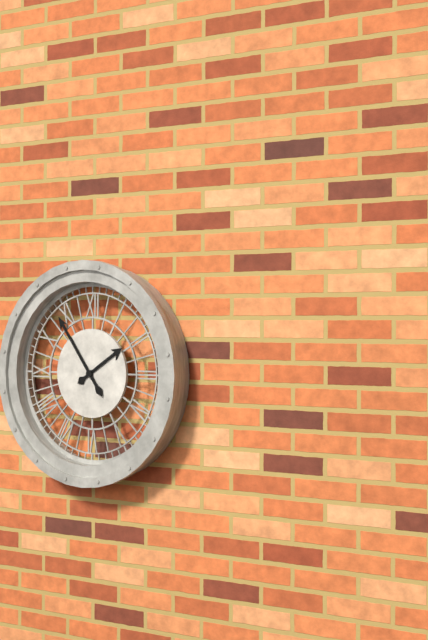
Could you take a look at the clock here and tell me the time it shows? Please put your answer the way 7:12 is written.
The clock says 1:54
